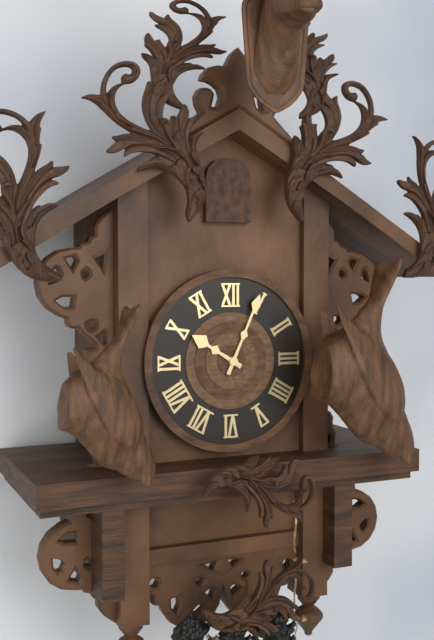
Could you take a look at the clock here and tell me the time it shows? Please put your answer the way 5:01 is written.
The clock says 10:04
